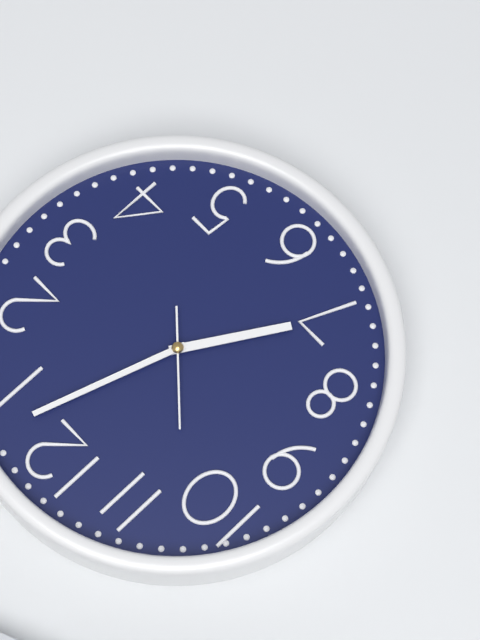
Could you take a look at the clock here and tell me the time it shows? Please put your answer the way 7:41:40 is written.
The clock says 7:03:52
